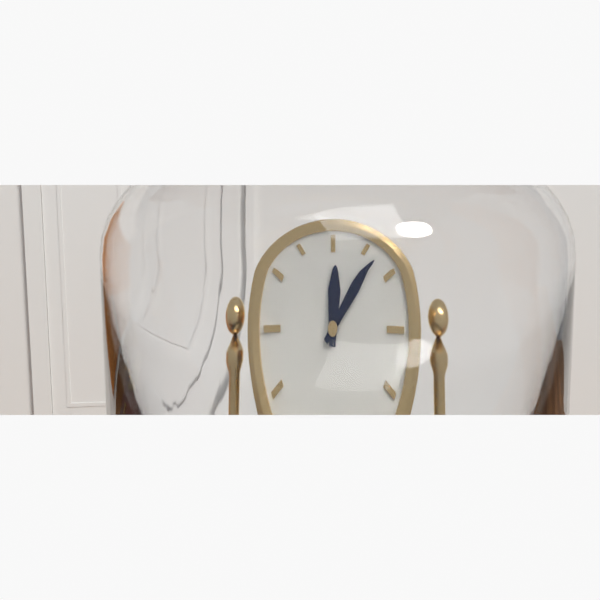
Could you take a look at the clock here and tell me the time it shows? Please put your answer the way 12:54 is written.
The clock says 12:07
